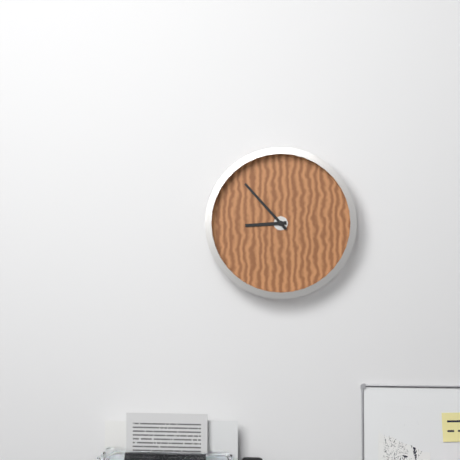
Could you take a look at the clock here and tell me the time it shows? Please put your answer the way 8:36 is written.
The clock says 8:53
